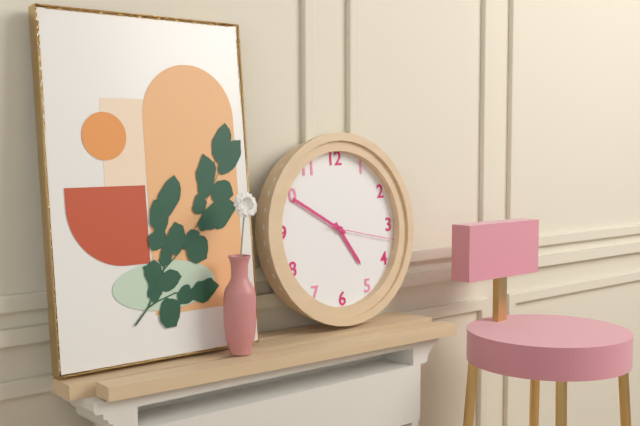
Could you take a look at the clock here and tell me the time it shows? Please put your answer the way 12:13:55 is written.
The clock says 4:50:17
